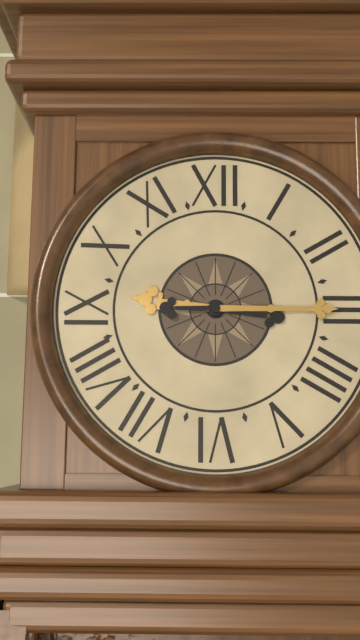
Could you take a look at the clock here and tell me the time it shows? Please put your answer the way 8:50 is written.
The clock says 9:15
